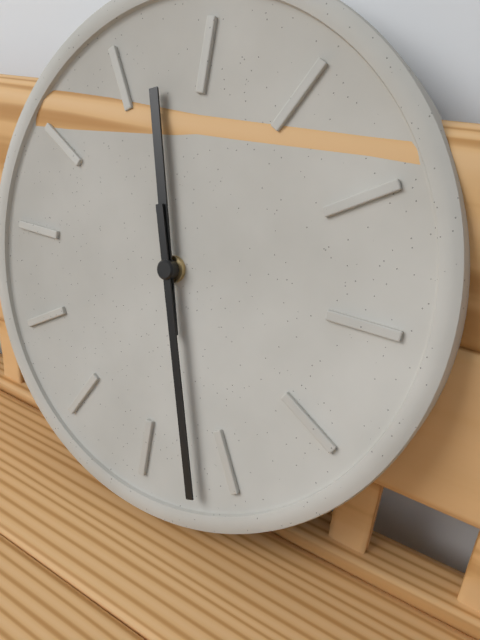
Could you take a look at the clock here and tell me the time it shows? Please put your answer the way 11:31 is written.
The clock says 11:27
